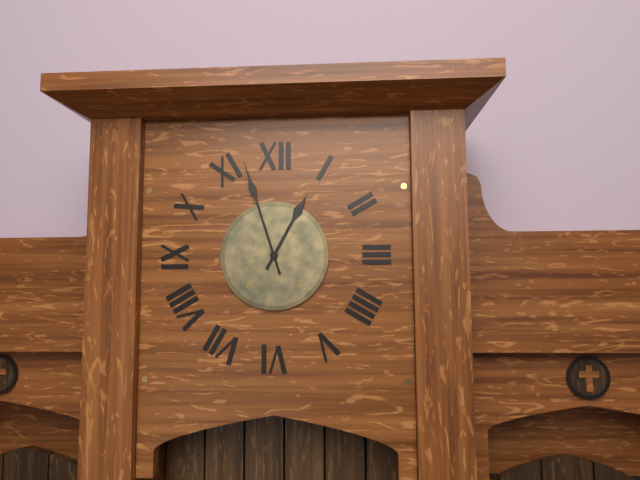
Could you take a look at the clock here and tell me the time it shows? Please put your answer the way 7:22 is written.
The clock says 12:57
